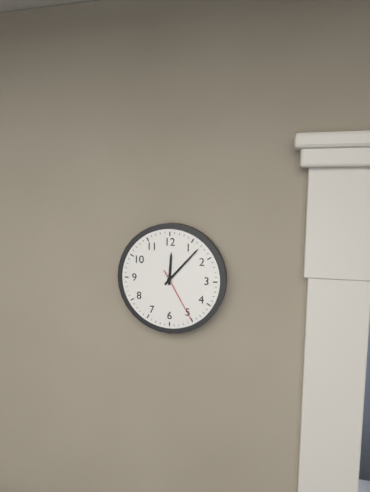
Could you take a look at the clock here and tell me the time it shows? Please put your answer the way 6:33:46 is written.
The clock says 12:07:25
